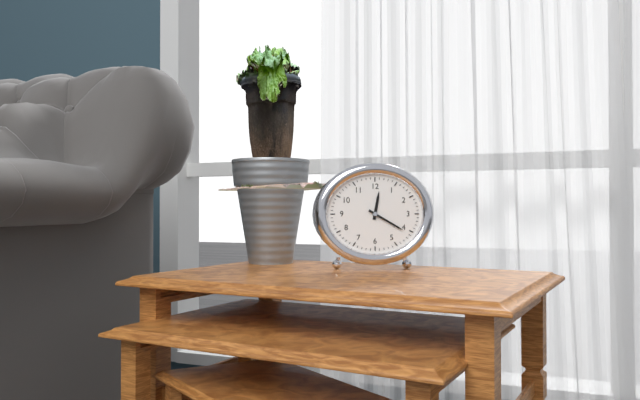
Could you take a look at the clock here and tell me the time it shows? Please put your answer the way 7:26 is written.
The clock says 12:20
